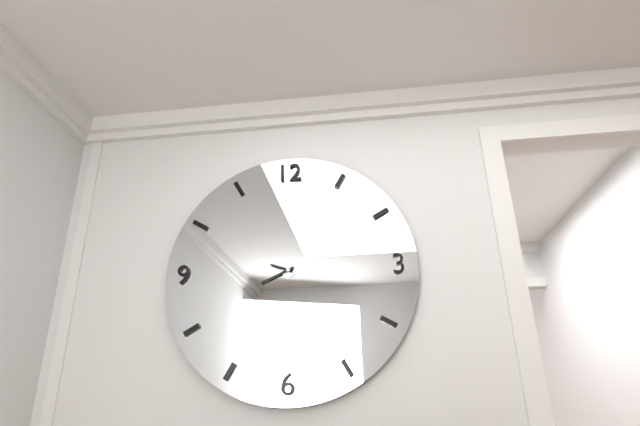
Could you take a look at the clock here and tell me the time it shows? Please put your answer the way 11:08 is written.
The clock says 9:41
